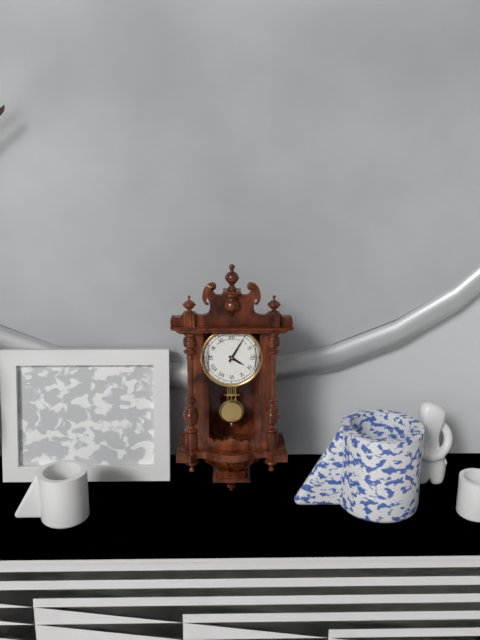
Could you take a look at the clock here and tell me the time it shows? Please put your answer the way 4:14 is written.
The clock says 4:05
